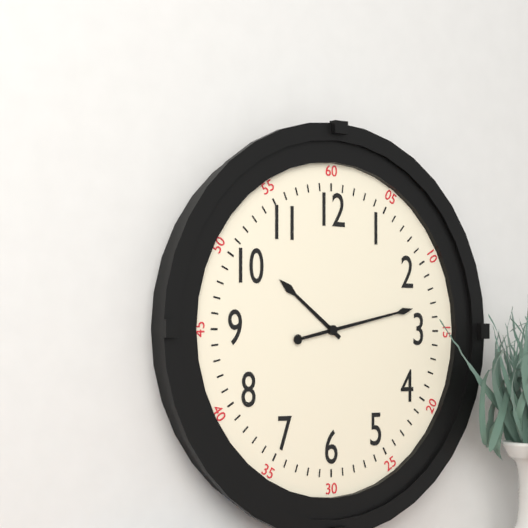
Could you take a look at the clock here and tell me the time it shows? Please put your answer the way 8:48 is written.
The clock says 10:13
